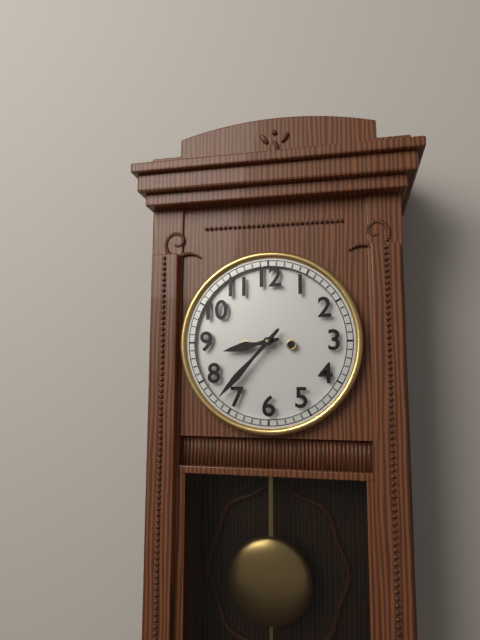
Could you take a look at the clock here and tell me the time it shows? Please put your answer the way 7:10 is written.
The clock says 8:37
